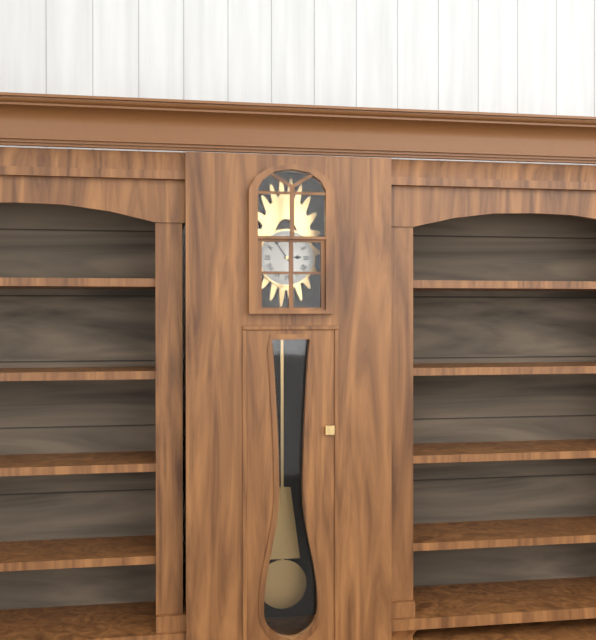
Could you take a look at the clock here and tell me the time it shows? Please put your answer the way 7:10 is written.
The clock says 2:54
